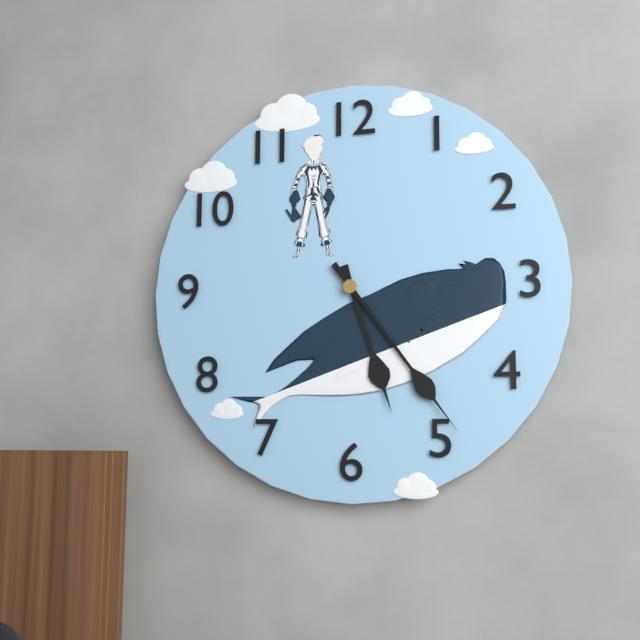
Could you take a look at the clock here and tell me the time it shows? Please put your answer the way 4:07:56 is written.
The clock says 5:24:24
